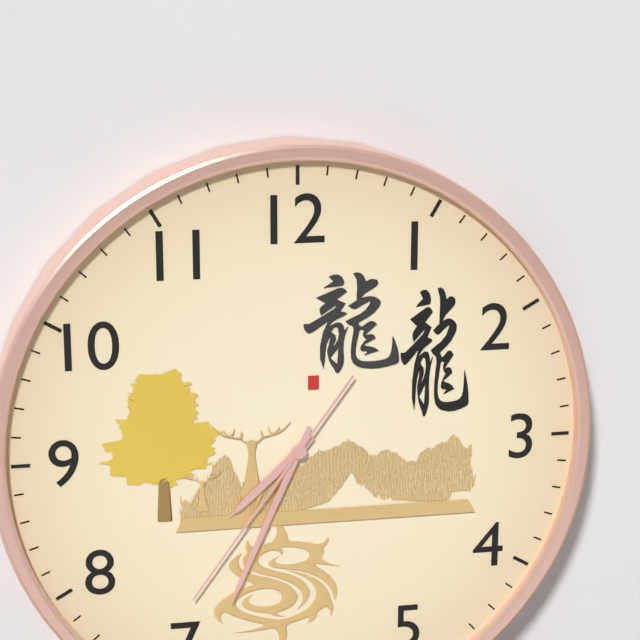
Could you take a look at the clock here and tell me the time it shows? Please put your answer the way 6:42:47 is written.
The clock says 7:34:36
